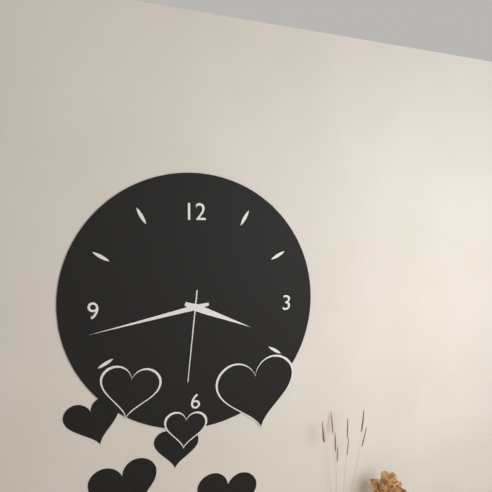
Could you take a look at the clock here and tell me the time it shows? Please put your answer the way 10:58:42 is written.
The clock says 3:43:31
